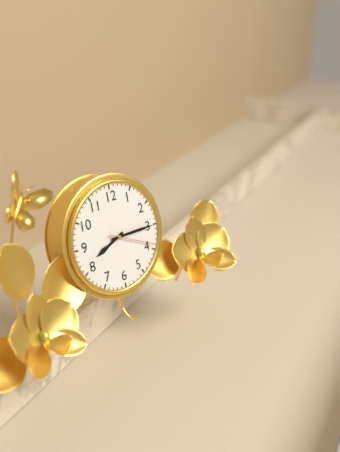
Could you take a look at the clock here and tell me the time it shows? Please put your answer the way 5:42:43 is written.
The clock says 8:15:19
